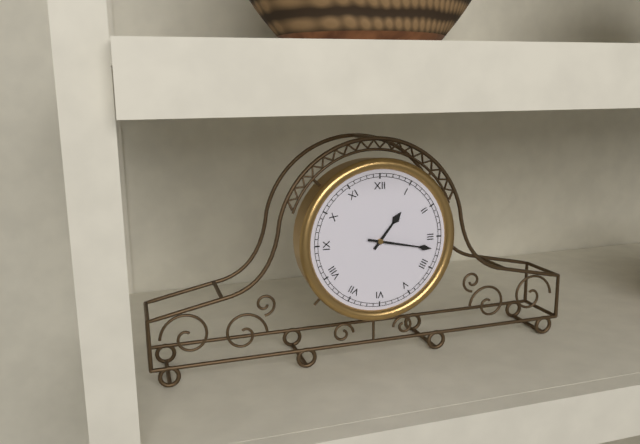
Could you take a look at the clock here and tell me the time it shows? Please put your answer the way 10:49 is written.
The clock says 1:17
